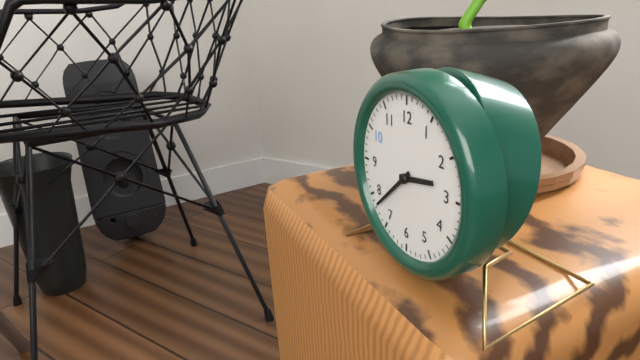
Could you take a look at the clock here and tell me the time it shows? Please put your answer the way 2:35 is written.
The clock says 2:38
